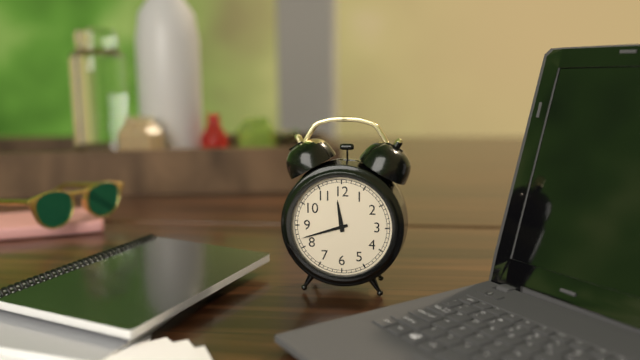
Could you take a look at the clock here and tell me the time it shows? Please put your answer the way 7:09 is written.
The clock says 11:42
